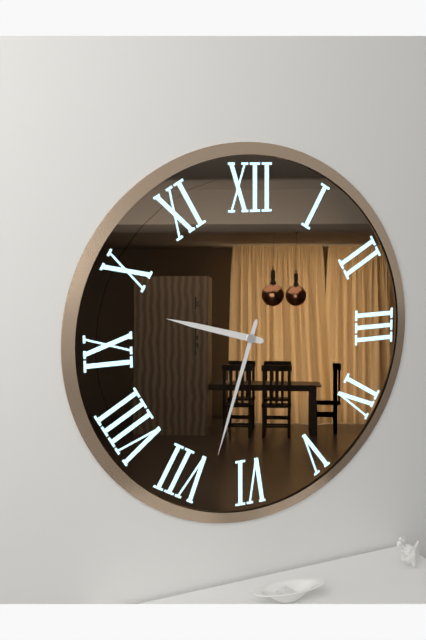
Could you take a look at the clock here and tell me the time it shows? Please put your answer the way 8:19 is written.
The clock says 9:33
